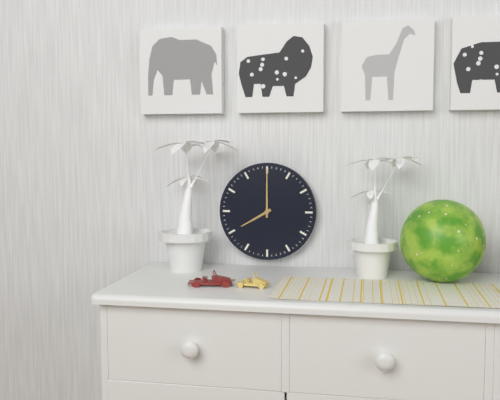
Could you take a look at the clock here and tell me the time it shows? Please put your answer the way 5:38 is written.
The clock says 8:00
